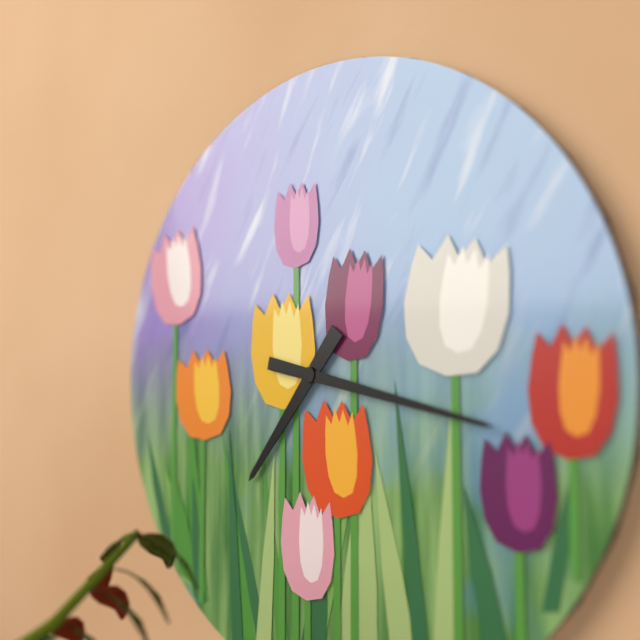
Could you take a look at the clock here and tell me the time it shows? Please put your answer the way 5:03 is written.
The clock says 7:17
